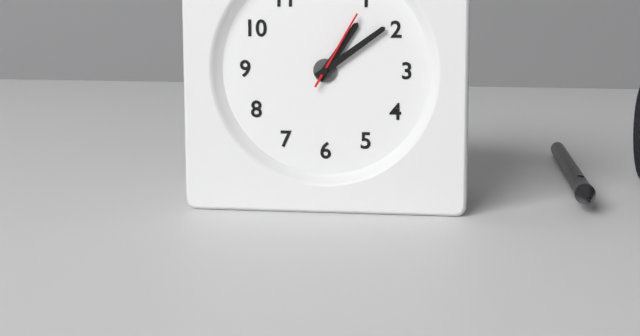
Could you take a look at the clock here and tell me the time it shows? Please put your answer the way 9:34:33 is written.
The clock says 1:09:05
